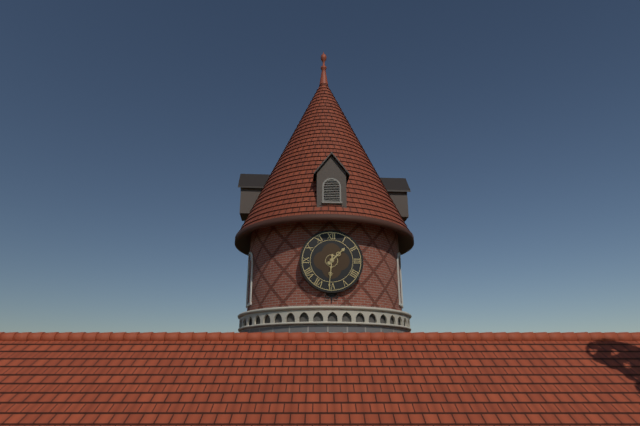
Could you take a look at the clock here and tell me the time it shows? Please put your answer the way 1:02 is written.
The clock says 1:31
